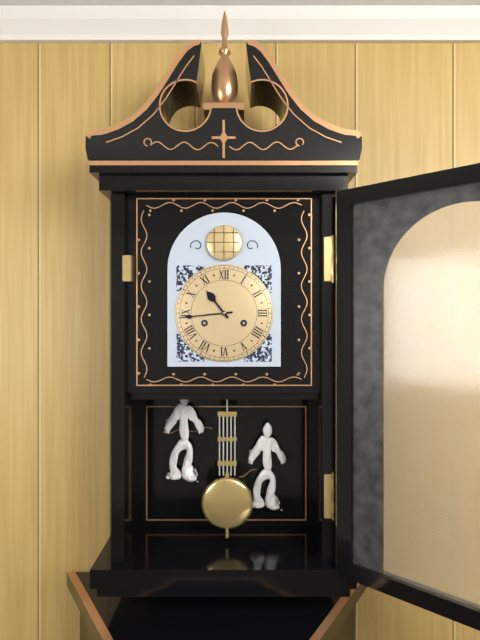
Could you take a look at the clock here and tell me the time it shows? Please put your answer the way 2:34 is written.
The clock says 10:44
